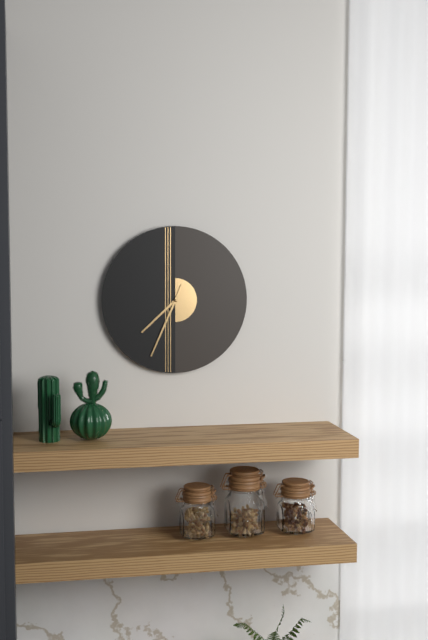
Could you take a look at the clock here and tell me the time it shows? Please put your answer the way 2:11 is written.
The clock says 7:34
